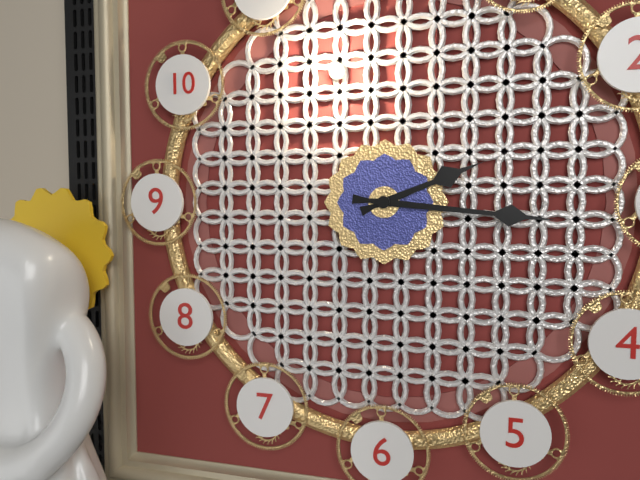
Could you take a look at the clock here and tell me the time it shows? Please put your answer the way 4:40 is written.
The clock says 2:16
